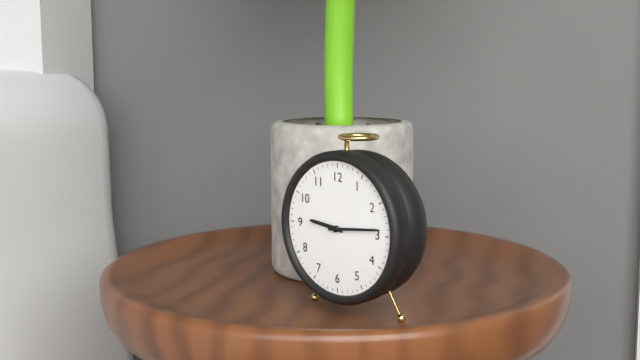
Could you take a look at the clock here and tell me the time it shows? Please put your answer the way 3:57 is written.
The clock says 9:14
